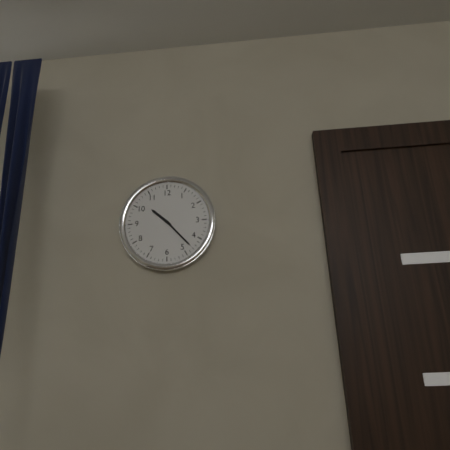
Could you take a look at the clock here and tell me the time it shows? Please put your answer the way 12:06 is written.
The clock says 10:23
